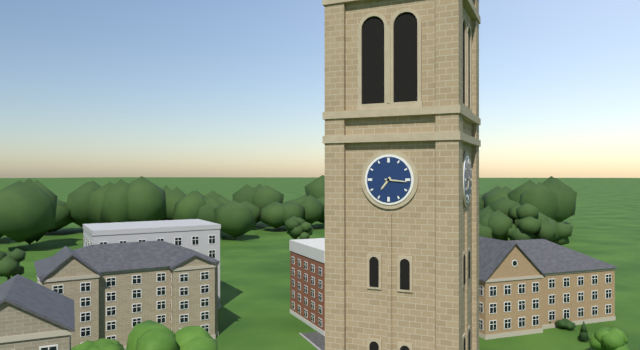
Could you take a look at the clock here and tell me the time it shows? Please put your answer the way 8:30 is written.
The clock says 7:16
